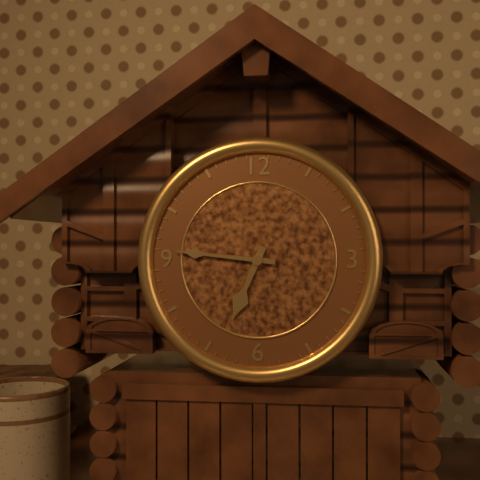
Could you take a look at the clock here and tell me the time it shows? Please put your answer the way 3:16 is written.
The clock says 6:46
